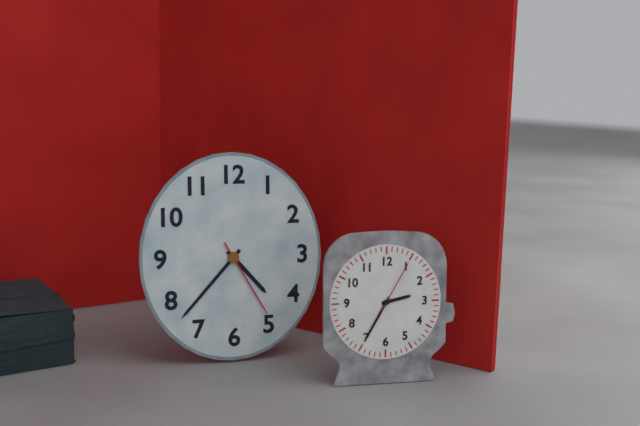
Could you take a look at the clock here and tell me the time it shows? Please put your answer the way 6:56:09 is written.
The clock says 4:37:25
